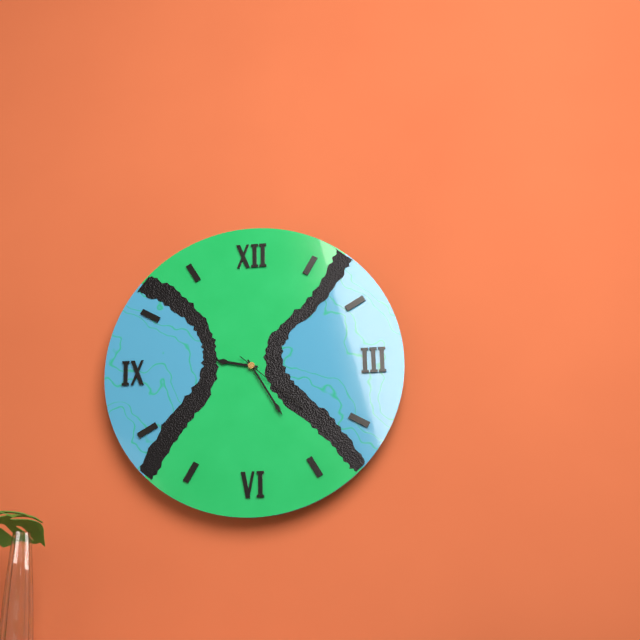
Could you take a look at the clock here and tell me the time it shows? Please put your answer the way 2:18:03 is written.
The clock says 9:25:22
